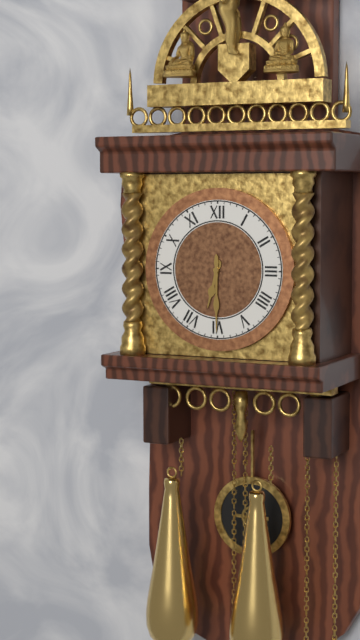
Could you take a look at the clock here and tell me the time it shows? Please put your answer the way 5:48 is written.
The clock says 6:30
